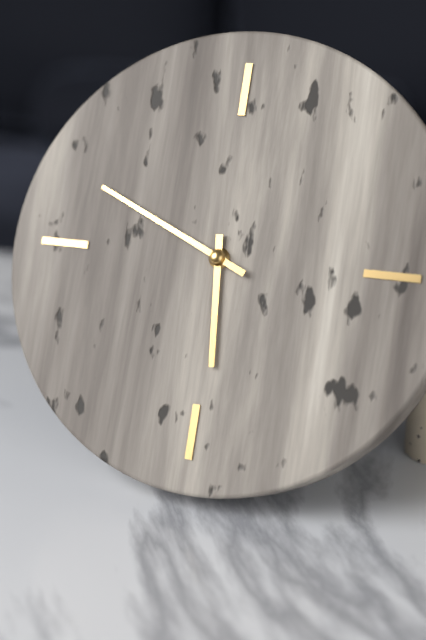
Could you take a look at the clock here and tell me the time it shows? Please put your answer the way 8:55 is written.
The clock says 5:49
